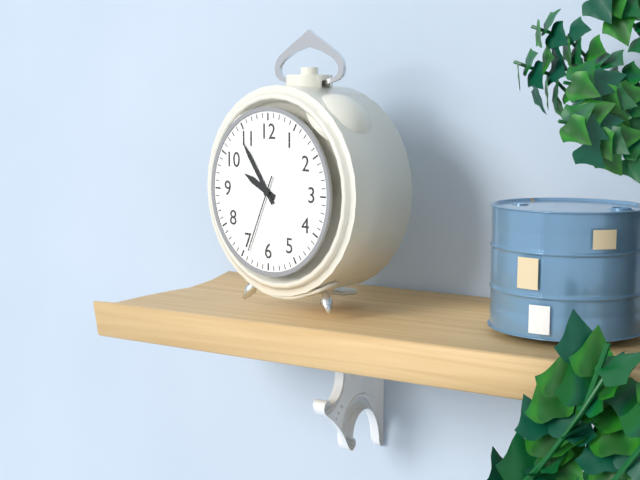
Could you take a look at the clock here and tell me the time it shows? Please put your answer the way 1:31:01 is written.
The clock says 9:54:34
